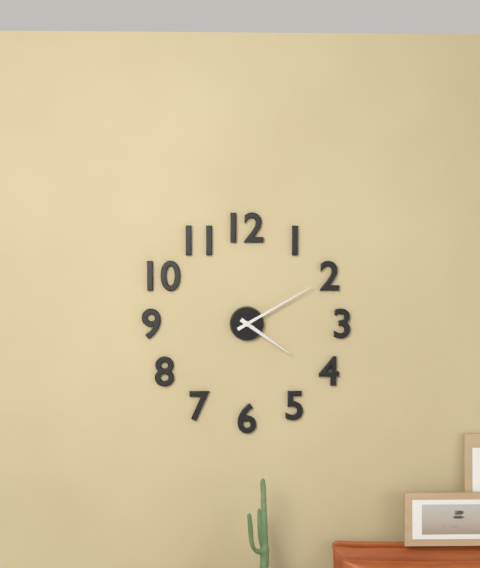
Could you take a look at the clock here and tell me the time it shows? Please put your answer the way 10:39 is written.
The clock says 4:10
